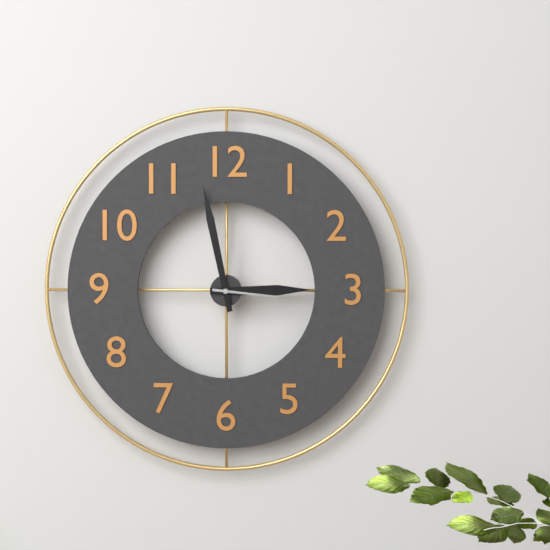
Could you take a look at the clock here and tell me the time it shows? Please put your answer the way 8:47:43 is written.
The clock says 2:58:16
